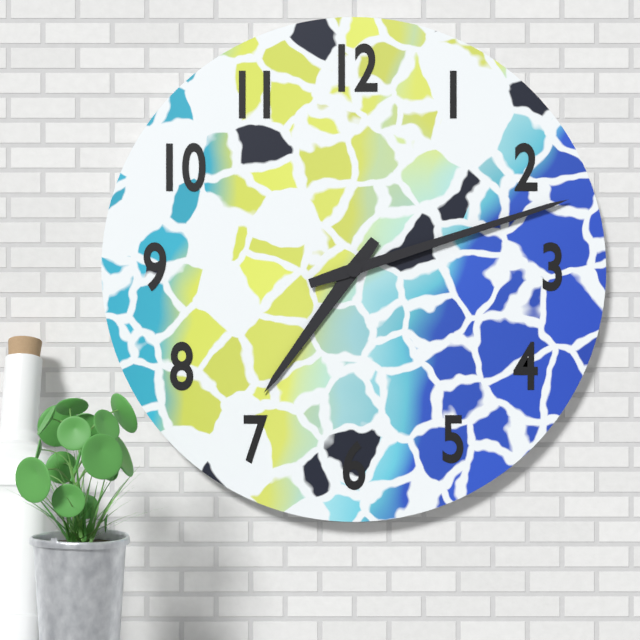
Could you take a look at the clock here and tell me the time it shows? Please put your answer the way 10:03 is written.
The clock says 7:12
